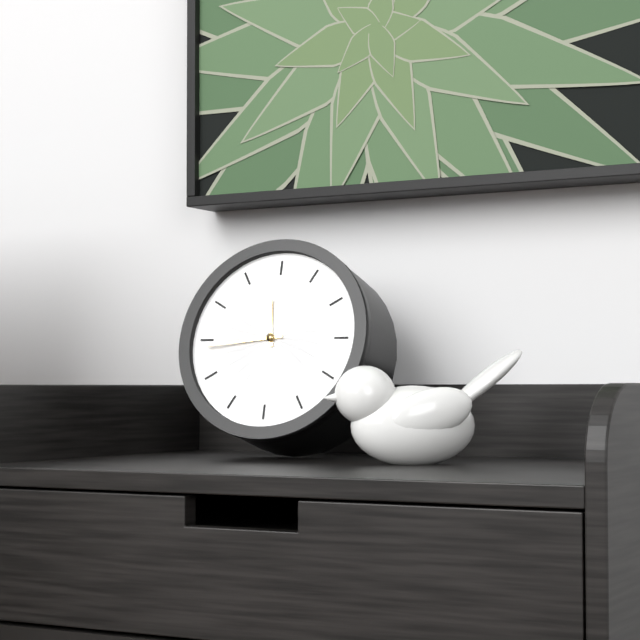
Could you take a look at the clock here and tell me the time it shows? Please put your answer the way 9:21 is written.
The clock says 11:44
